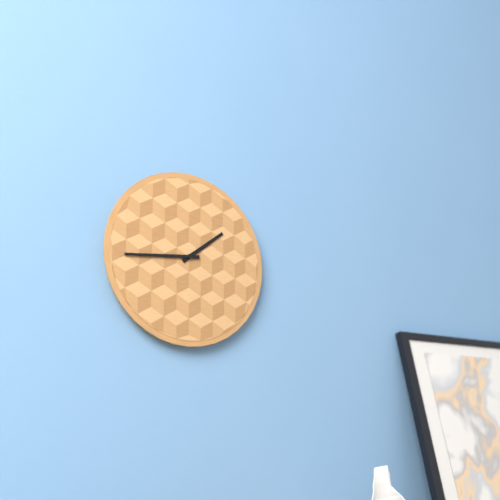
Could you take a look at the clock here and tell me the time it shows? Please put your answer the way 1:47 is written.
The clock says 1:44
